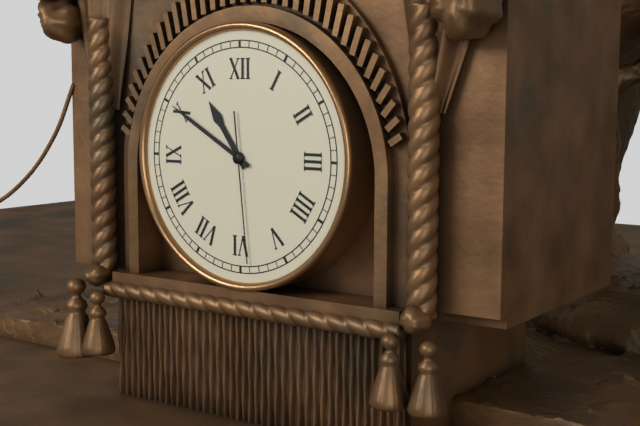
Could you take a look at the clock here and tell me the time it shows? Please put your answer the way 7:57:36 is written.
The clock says 10:50:29
